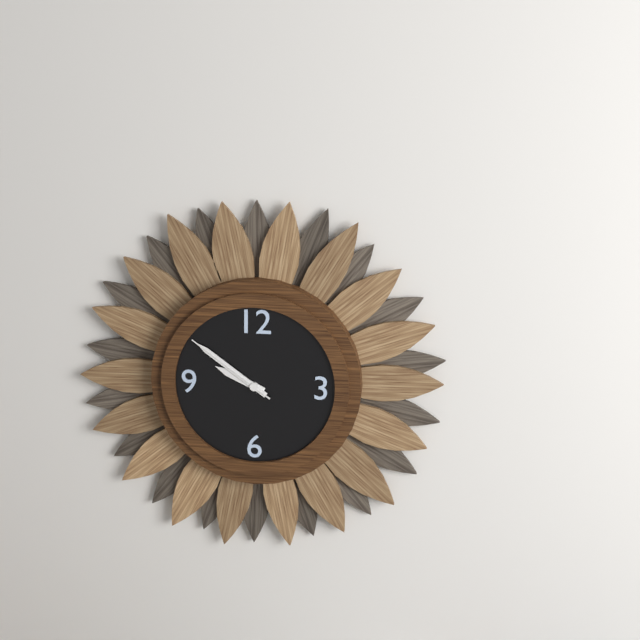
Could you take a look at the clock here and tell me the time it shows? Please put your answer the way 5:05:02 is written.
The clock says 9:51:51
